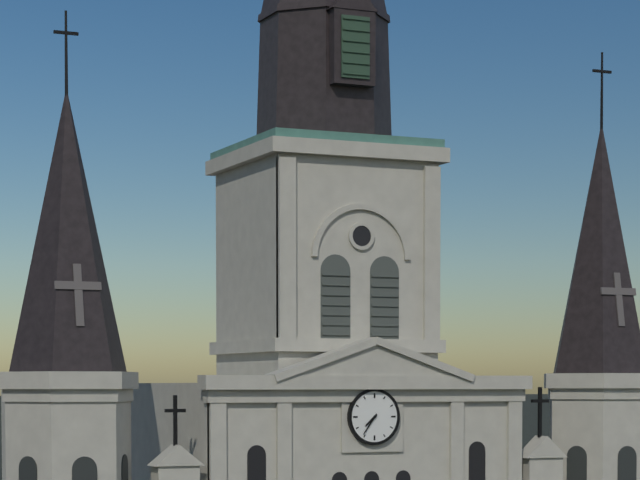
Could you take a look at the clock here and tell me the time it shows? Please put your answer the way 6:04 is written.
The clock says 7:36
